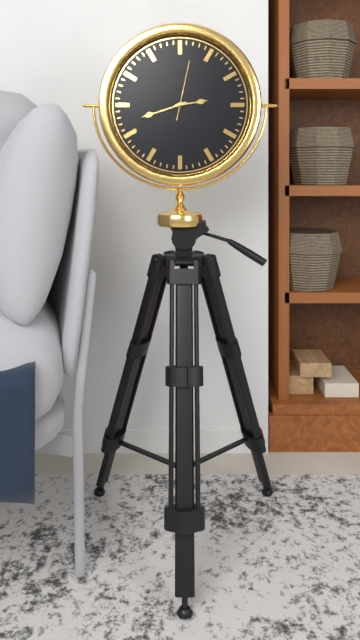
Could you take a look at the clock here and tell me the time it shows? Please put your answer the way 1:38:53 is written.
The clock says 2:42:02
